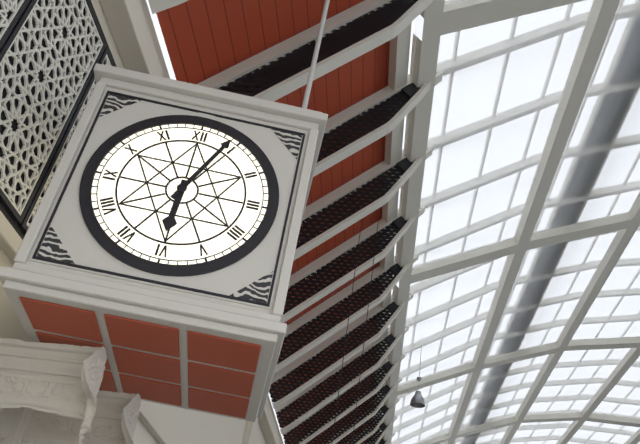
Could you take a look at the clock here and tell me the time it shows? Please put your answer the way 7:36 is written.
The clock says 6:04
